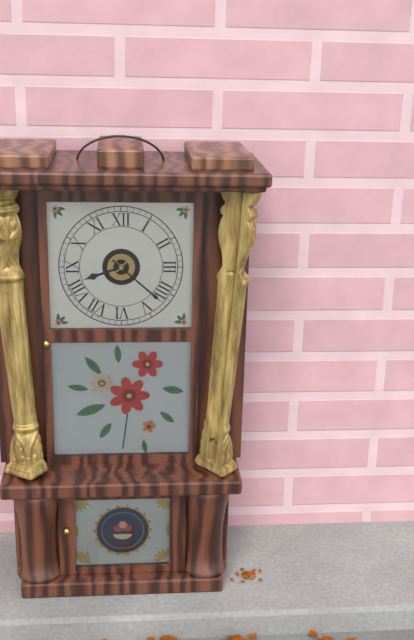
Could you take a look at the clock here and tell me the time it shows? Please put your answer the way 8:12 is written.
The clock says 8:22
